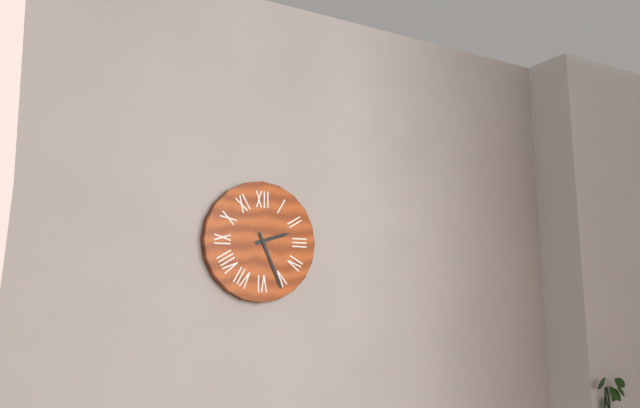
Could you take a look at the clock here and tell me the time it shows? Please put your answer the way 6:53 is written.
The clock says 2:26
